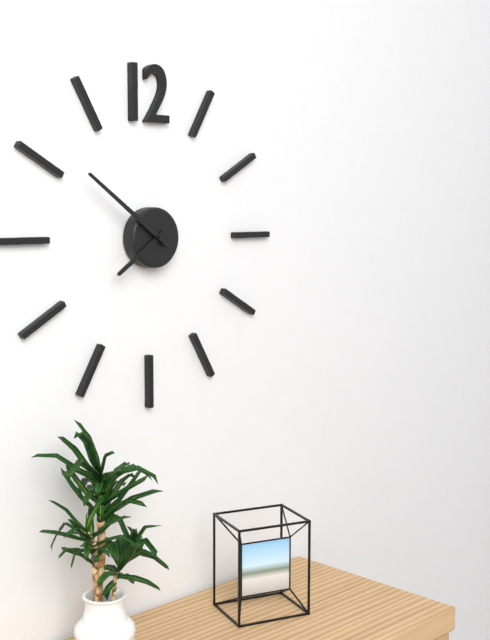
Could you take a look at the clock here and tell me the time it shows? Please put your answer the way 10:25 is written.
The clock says 7:51
